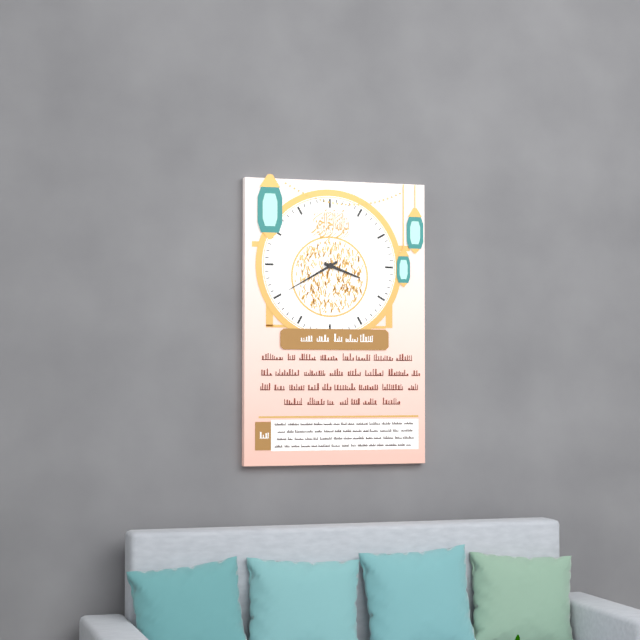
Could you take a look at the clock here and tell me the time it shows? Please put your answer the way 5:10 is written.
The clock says 3:40
